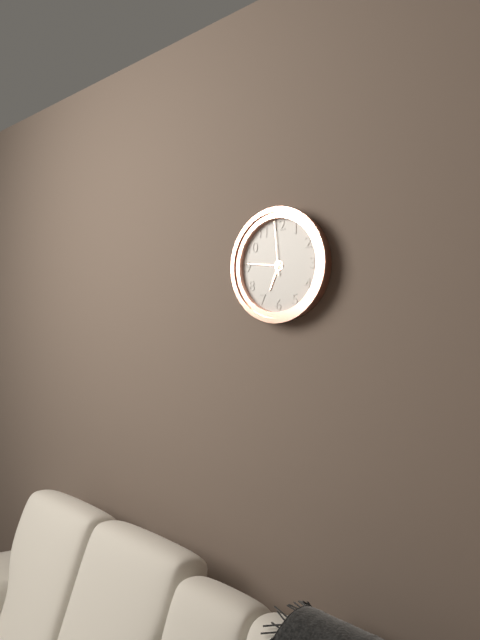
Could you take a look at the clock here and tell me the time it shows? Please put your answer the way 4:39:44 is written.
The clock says 6:46:59
